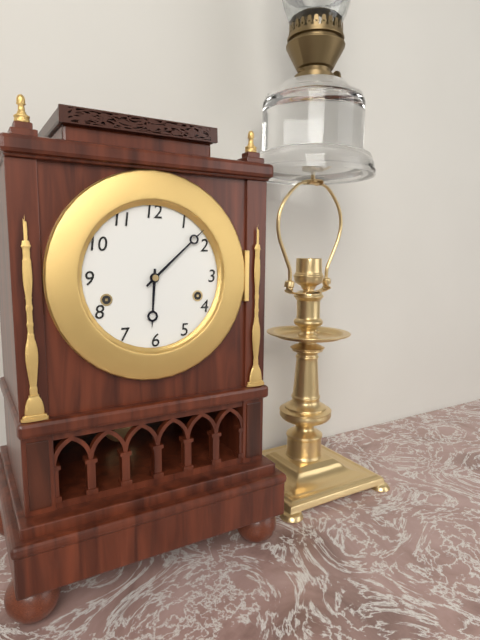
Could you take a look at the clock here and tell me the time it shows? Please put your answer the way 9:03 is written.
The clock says 6:08
